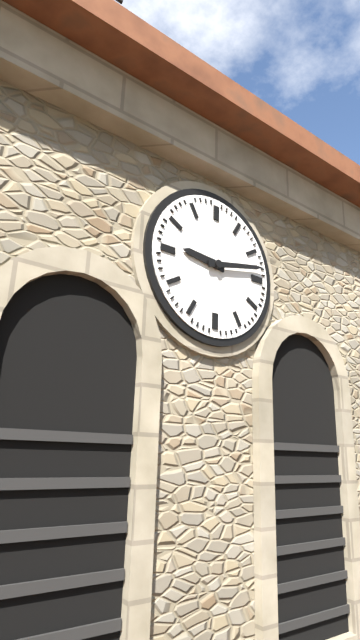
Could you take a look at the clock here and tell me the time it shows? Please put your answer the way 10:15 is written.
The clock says 9:13
